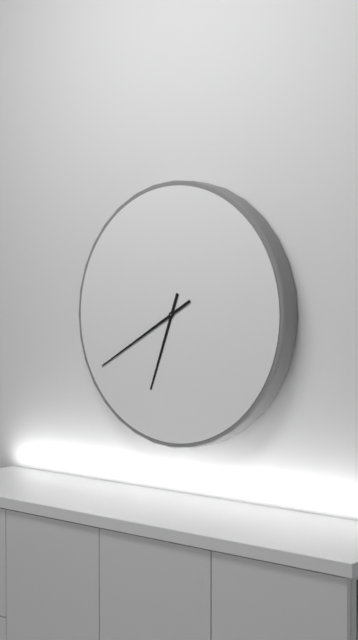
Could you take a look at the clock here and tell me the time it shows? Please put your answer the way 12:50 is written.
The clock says 6:40
